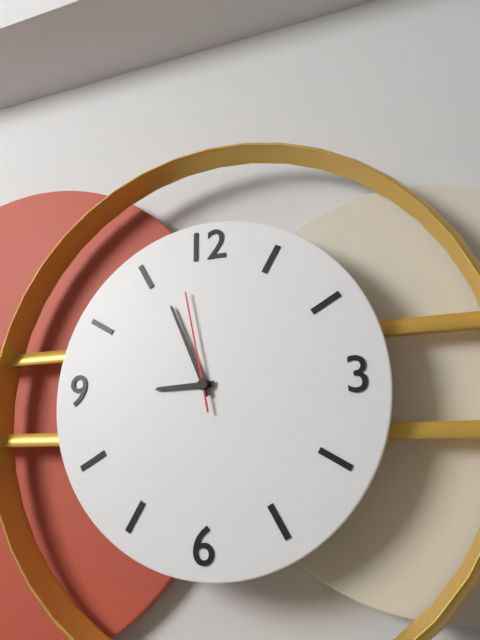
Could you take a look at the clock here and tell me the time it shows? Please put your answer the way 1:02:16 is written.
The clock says 8:56:58
